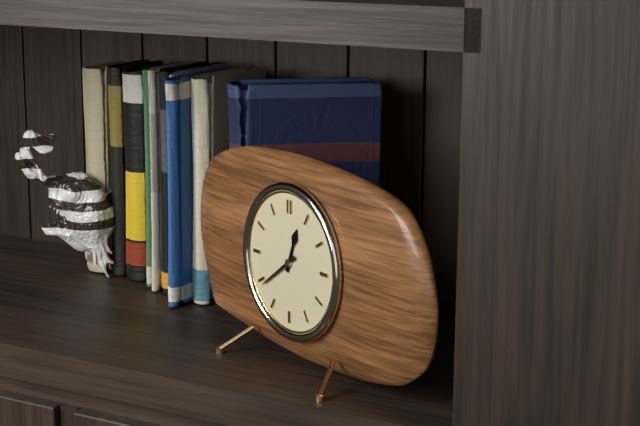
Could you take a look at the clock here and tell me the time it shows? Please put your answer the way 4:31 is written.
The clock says 12:39
